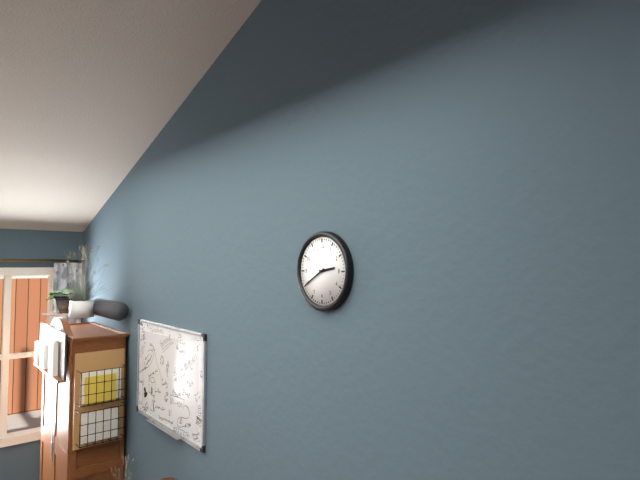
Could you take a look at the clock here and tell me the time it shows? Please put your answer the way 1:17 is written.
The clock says 2:40
